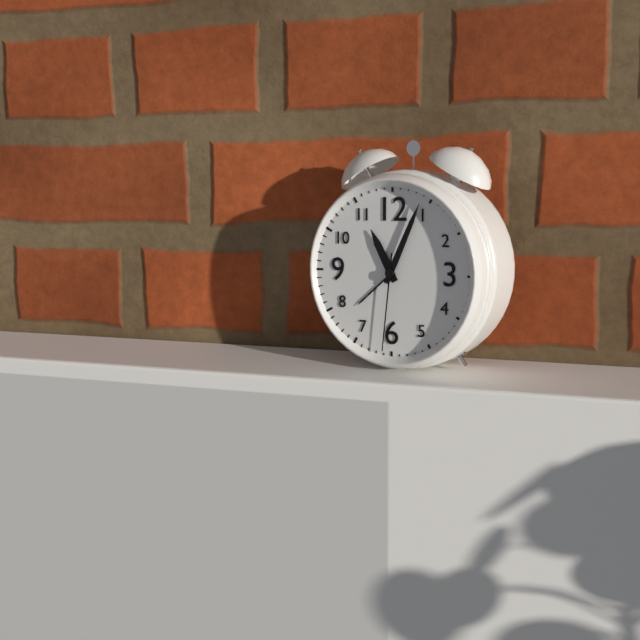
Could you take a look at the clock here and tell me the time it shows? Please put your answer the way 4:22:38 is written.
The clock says 11:04:31
